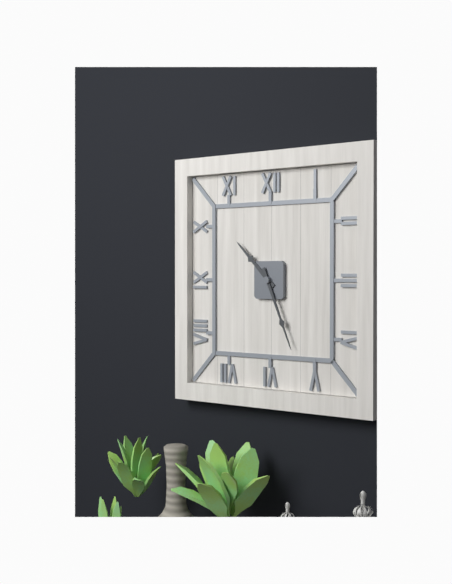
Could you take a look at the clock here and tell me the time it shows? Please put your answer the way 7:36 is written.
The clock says 10:26
